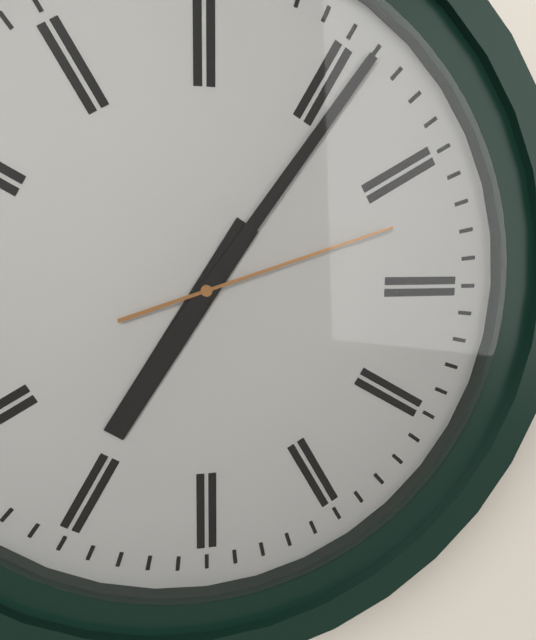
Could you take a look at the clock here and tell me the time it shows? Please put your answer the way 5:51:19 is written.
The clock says 7:06:12
